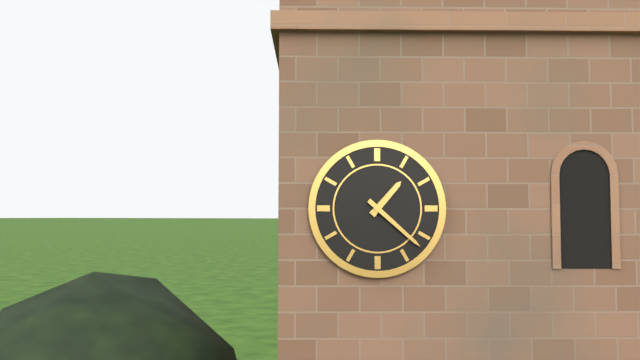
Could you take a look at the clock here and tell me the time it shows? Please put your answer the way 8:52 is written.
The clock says 1:22
